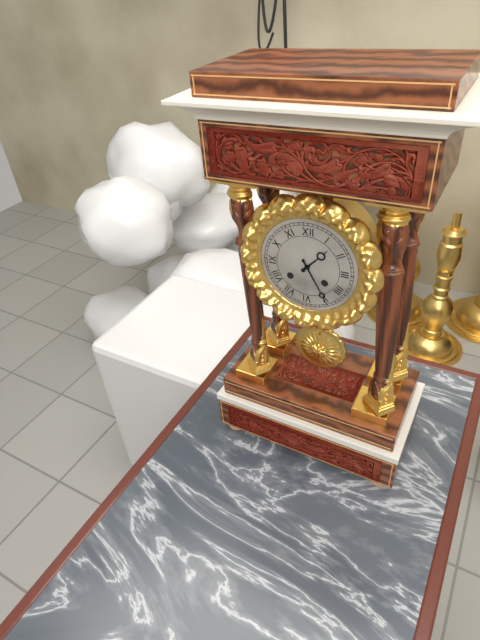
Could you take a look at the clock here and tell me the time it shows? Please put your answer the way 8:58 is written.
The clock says 1:25
